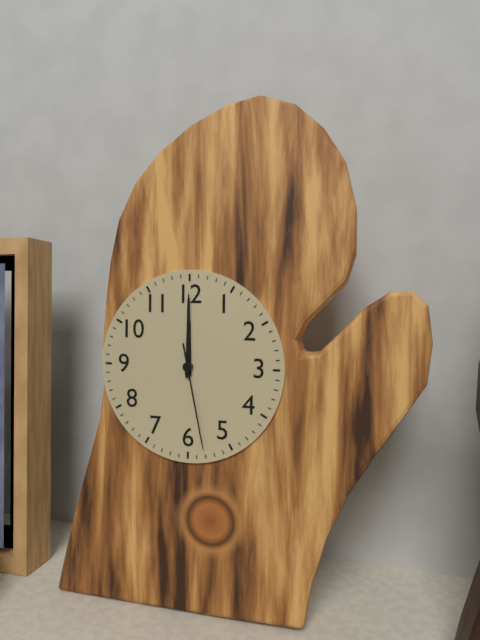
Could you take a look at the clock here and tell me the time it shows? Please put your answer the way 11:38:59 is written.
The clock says 12:00:28
